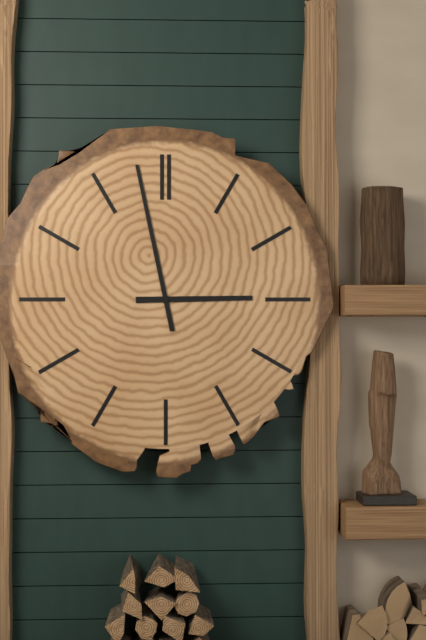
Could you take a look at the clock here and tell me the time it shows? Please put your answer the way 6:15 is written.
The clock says 2:58
